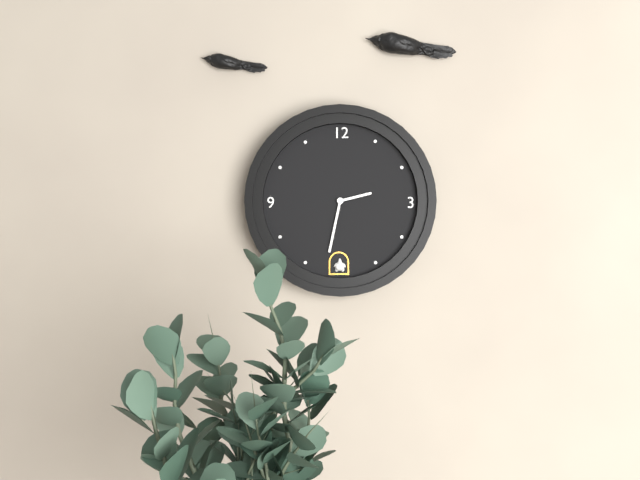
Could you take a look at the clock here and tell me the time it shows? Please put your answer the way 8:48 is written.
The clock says 2:32
